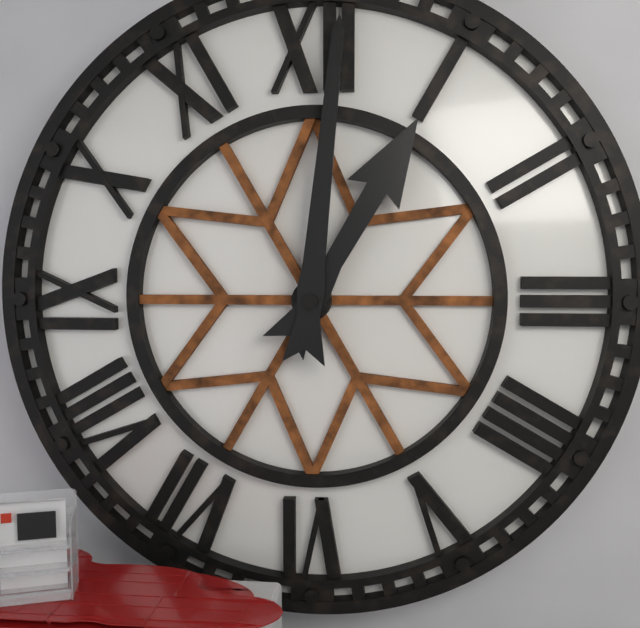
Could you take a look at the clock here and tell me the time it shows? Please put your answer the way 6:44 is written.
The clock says 1:01
